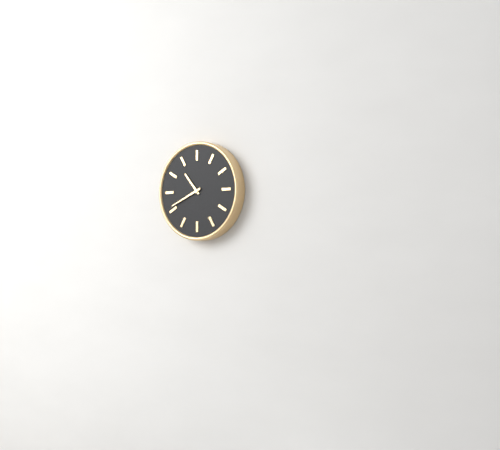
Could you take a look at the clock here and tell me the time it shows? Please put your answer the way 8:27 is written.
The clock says 10:41
